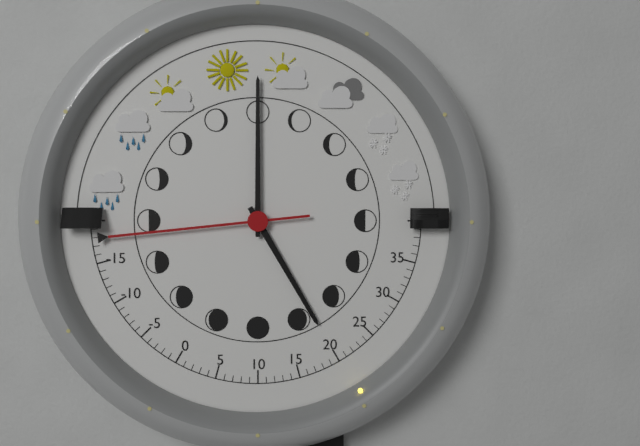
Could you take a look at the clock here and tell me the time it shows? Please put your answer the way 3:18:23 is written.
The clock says 5:00:44
